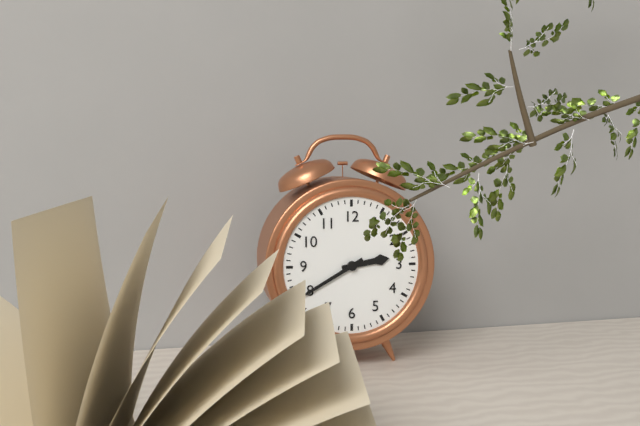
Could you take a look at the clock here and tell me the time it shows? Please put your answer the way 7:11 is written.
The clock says 2:40
